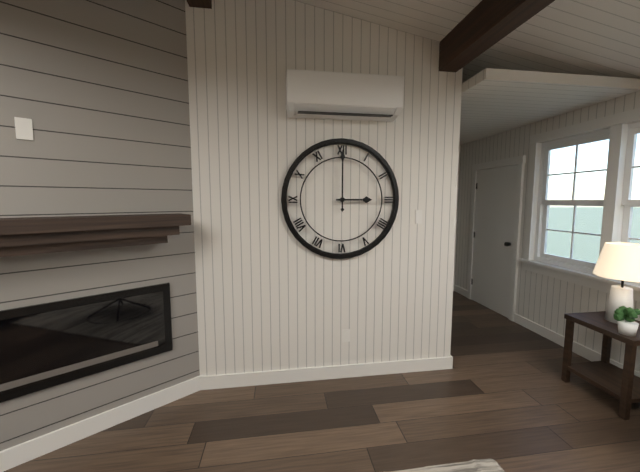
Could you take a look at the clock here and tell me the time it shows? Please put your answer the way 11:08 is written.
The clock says 3:00
